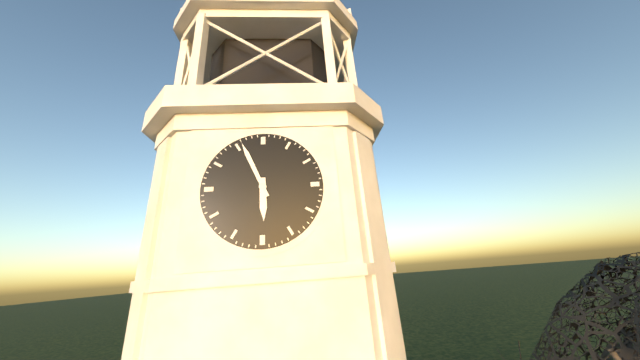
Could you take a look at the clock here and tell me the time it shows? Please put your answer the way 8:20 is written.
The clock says 5:56
